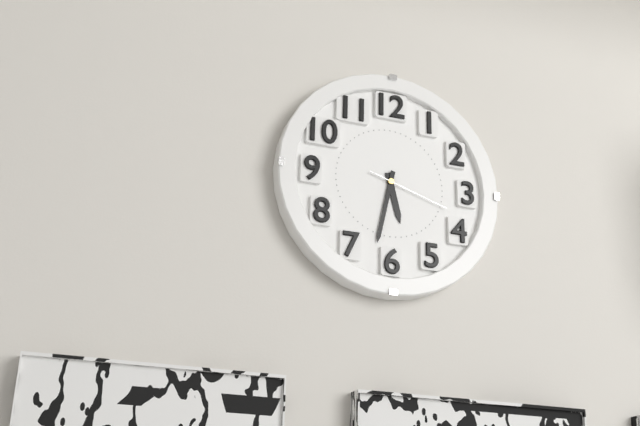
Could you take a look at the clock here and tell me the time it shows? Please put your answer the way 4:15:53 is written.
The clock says 5:32:18
